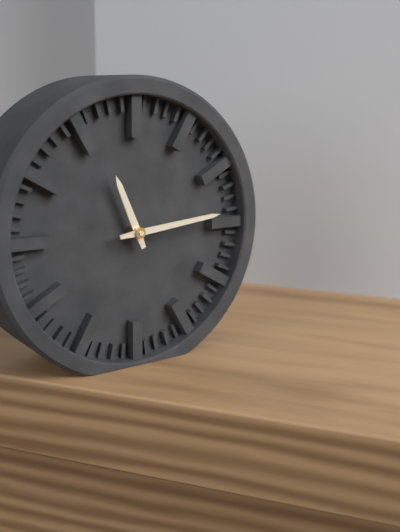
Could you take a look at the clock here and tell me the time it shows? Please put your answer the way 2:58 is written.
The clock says 11:14
